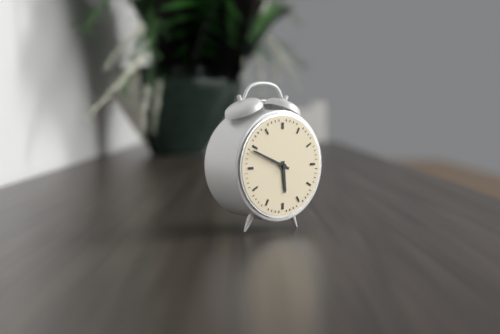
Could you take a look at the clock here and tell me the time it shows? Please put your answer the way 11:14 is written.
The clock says 5:49
